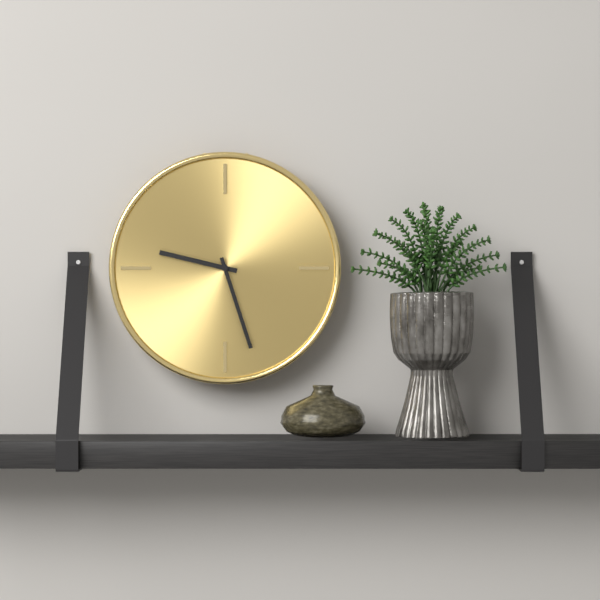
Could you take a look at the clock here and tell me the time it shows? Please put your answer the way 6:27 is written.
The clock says 9:27
